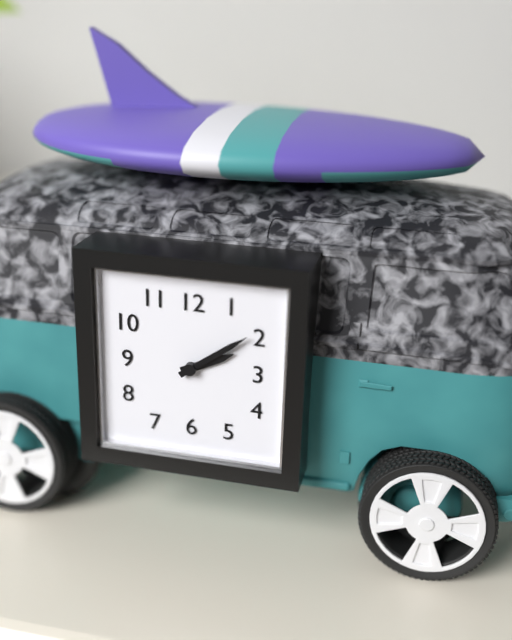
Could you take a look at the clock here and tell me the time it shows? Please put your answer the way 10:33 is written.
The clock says 2:09
